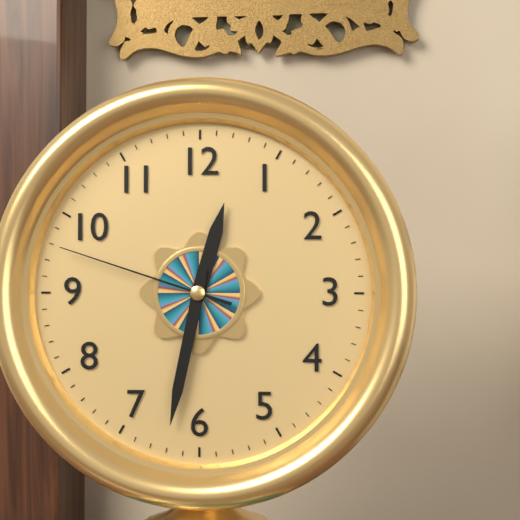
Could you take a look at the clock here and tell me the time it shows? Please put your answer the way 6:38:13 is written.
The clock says 12:32:48
